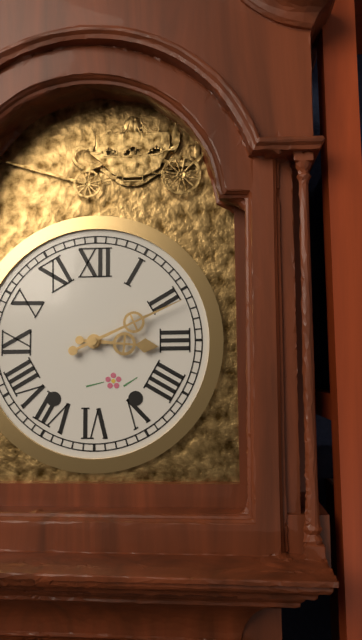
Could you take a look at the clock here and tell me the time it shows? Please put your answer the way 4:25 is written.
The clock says 3:11
